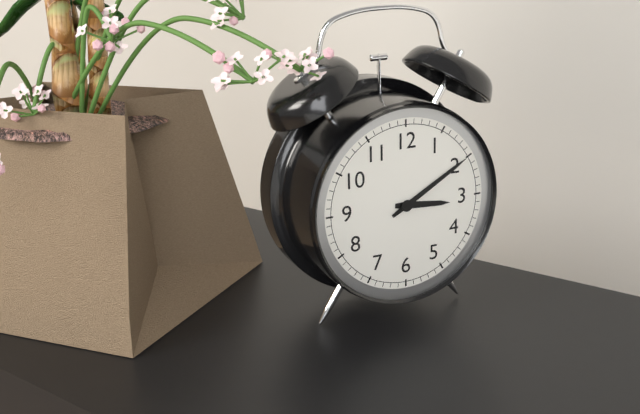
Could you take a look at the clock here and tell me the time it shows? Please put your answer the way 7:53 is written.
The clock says 3:10
